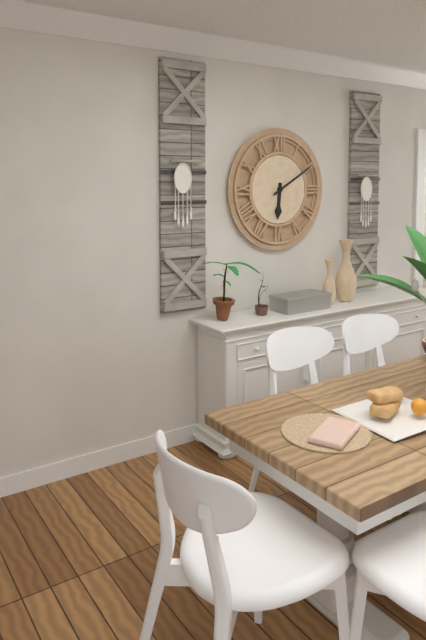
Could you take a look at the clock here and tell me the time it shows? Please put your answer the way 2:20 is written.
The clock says 6:10
